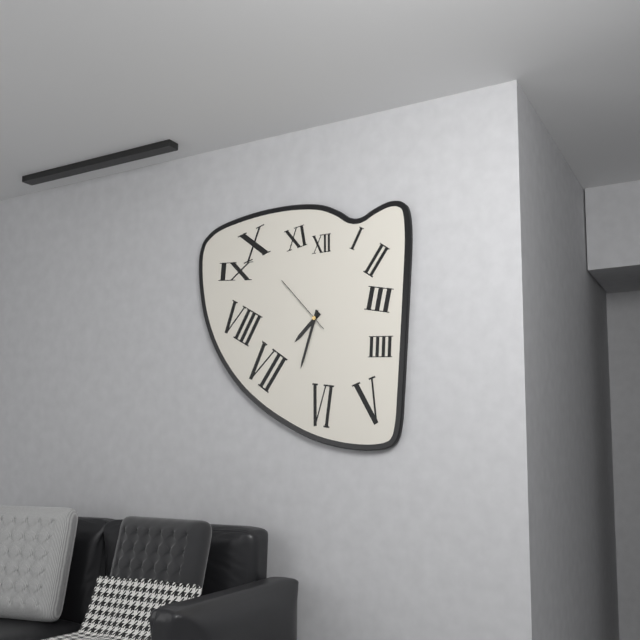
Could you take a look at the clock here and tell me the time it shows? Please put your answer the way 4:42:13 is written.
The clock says 7:33:53
